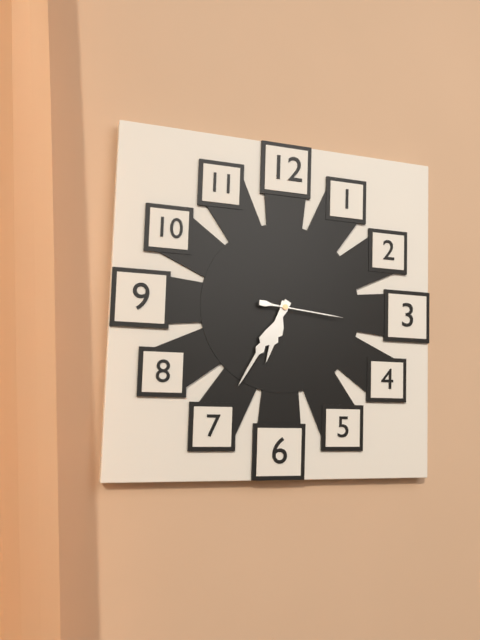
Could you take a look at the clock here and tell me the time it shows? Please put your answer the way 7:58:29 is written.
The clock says 6:35:16
